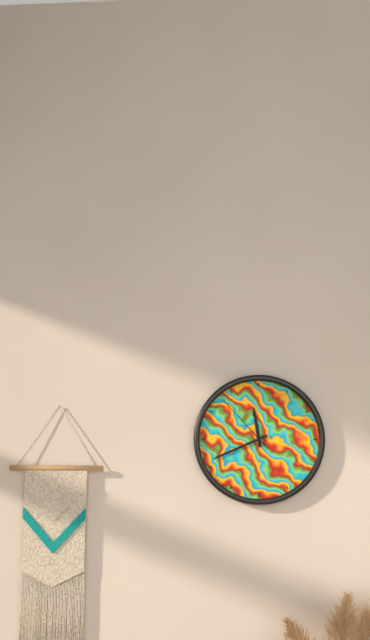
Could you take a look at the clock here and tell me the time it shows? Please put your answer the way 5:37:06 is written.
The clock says 11:41:53
